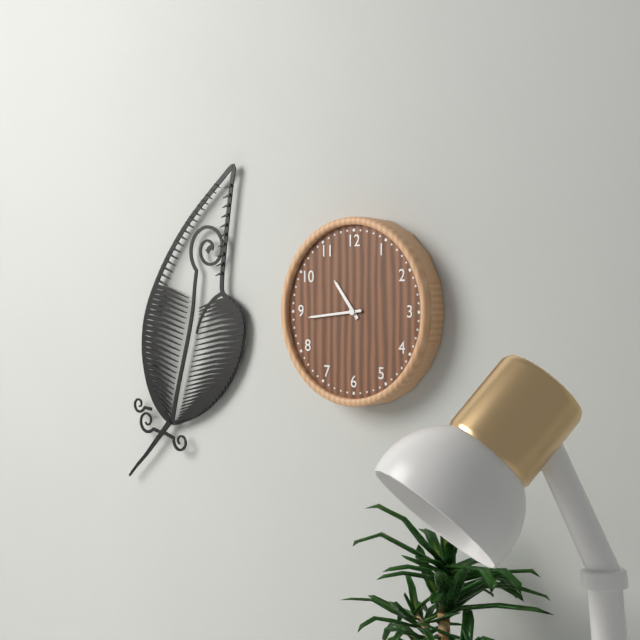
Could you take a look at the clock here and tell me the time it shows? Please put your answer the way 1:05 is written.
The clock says 10:44
